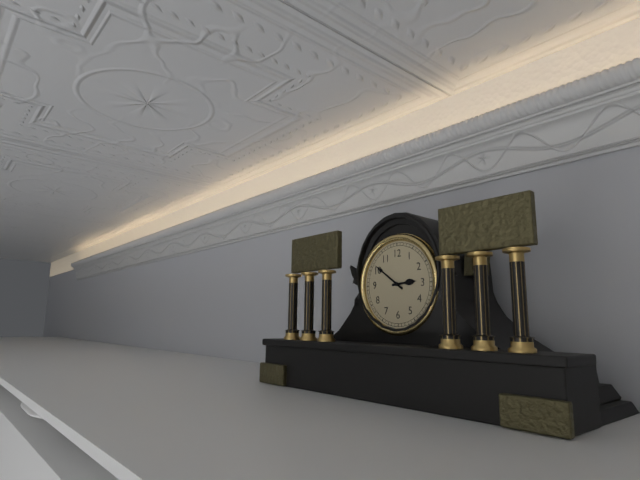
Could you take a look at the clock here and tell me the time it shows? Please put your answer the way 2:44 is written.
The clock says 2:51
